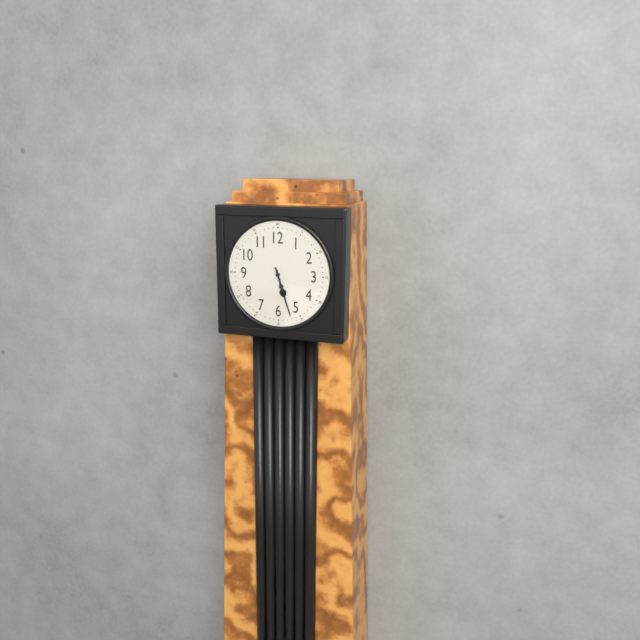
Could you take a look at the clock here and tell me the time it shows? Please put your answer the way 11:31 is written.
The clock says 5:27
